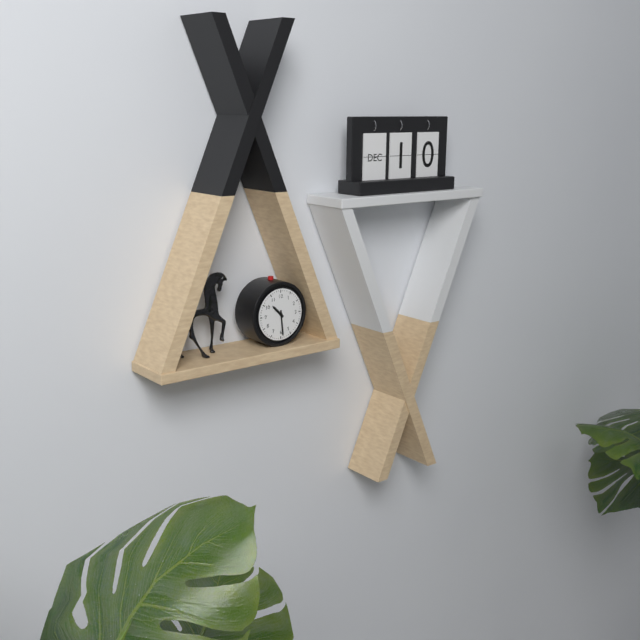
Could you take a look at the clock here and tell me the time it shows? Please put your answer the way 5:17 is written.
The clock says 10:29
